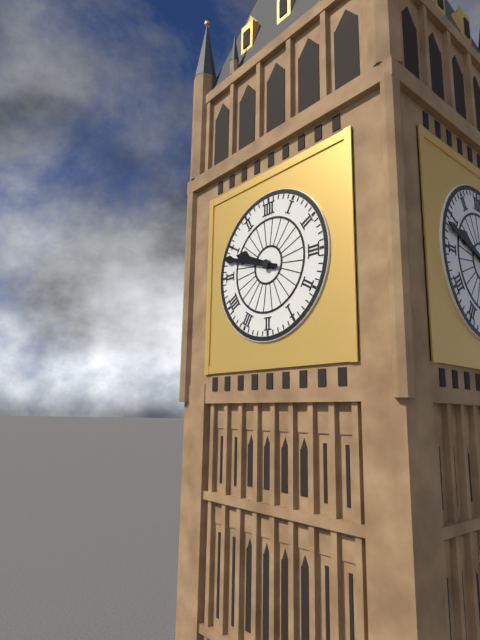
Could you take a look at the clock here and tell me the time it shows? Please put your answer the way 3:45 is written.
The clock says 9:48
